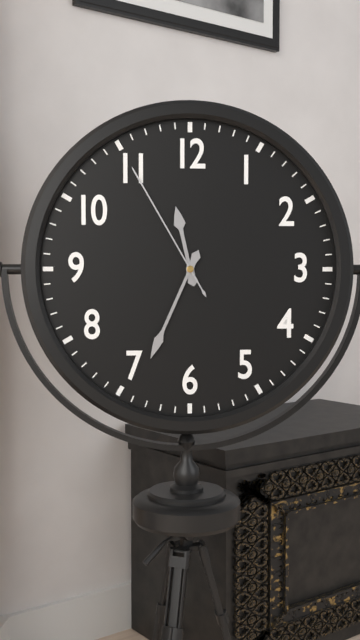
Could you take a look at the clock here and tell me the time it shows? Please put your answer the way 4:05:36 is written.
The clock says 11:34:55
